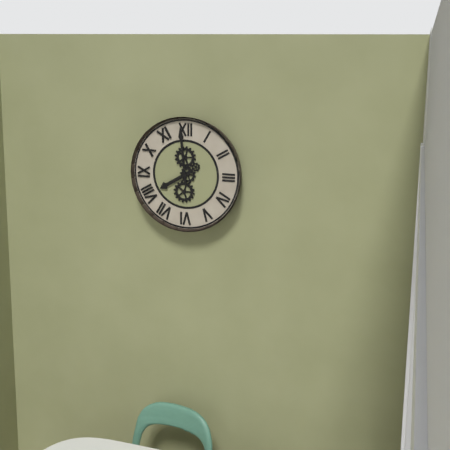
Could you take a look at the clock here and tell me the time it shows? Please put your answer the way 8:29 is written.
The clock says 7:59
